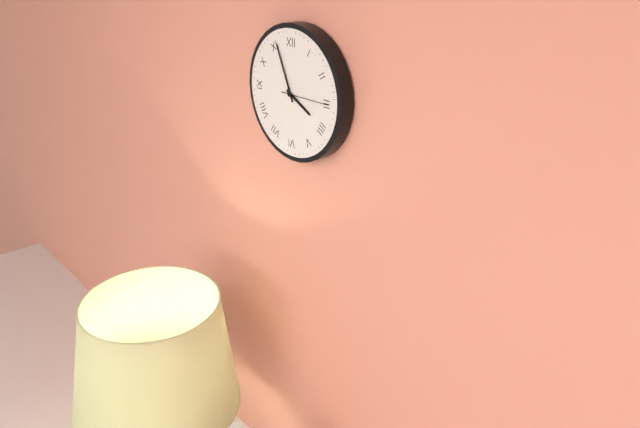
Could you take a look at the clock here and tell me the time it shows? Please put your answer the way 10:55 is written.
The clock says 3:56
